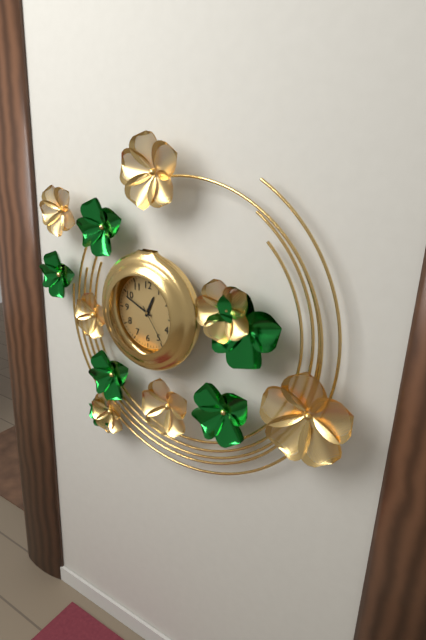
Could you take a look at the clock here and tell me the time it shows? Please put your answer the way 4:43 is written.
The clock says 12:49
